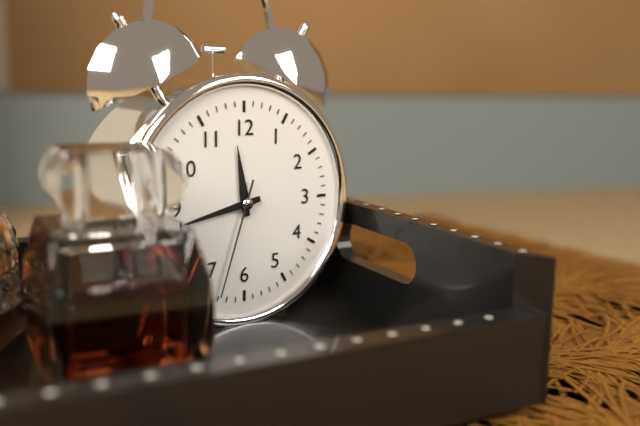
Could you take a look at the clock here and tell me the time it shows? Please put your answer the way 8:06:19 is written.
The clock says 11:43:33
